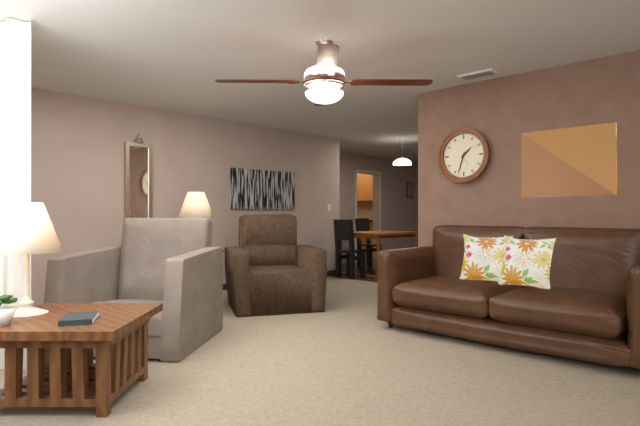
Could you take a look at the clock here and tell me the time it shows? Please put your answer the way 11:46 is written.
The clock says 1:33
